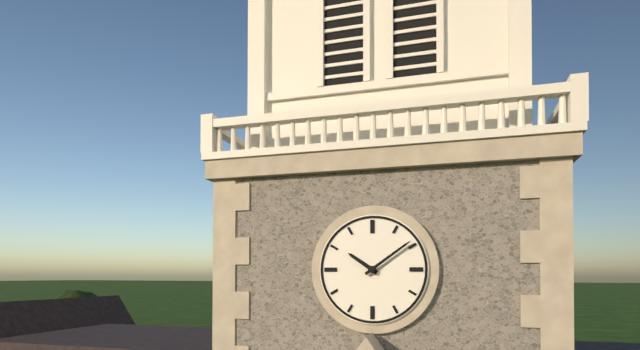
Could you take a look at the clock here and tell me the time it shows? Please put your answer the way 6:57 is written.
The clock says 10:09
